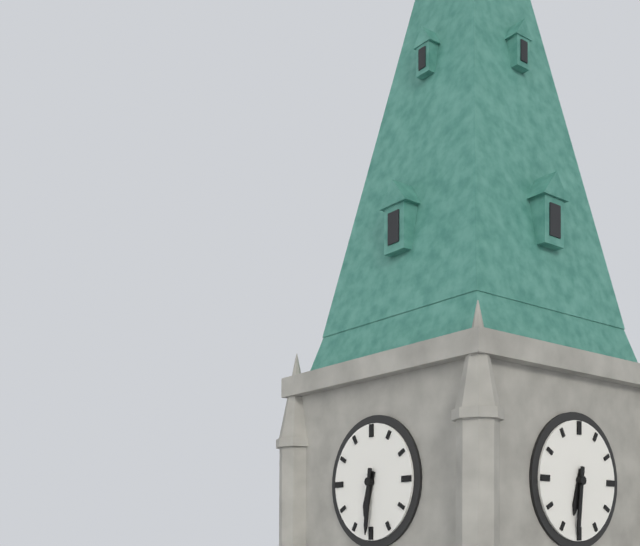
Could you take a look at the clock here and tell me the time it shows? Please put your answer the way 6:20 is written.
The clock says 6:31
